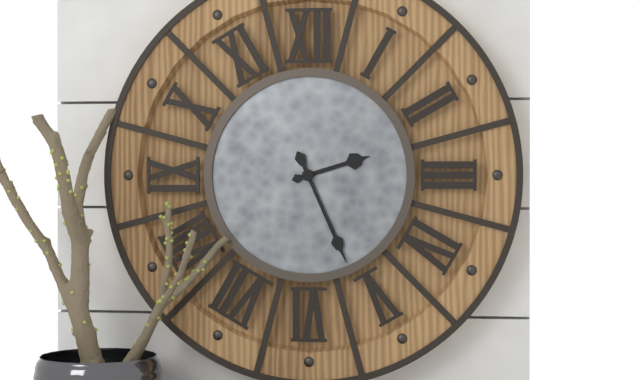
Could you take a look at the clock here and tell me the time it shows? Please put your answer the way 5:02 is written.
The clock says 2:26
